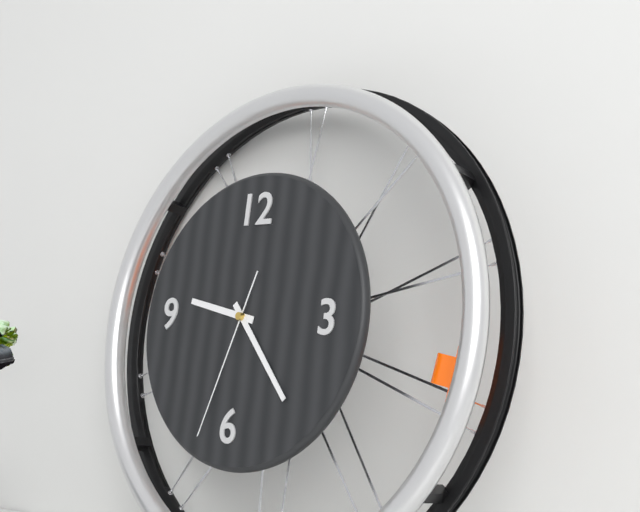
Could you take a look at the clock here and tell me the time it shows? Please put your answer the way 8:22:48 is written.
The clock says 9:23:33
